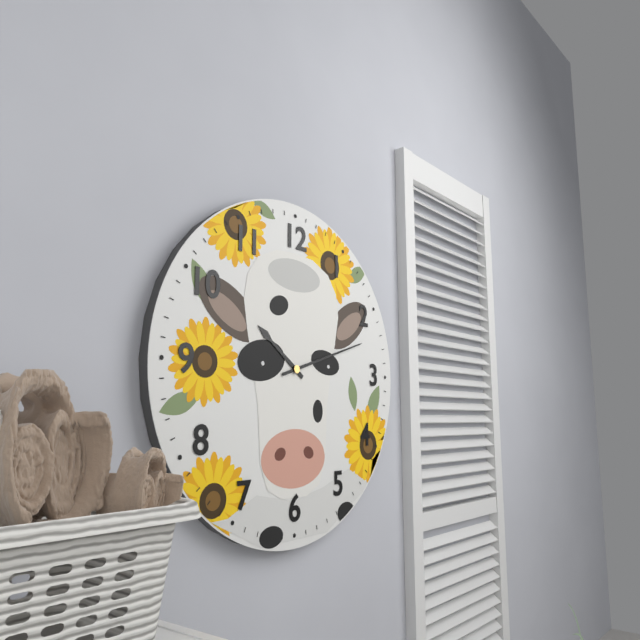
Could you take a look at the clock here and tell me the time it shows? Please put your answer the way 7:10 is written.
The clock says 10:12
